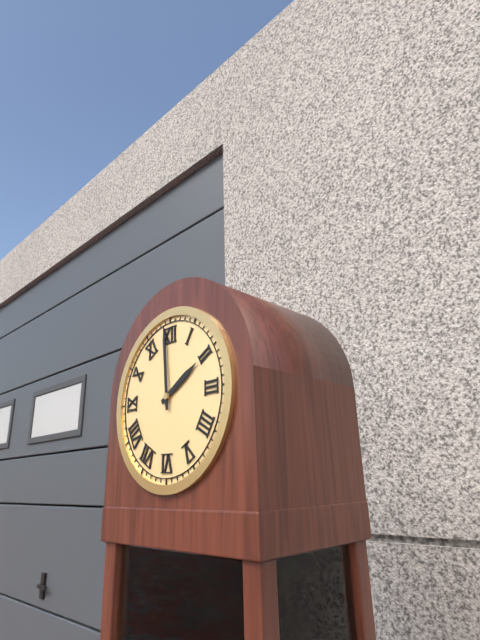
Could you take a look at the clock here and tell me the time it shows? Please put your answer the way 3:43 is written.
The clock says 1:59
